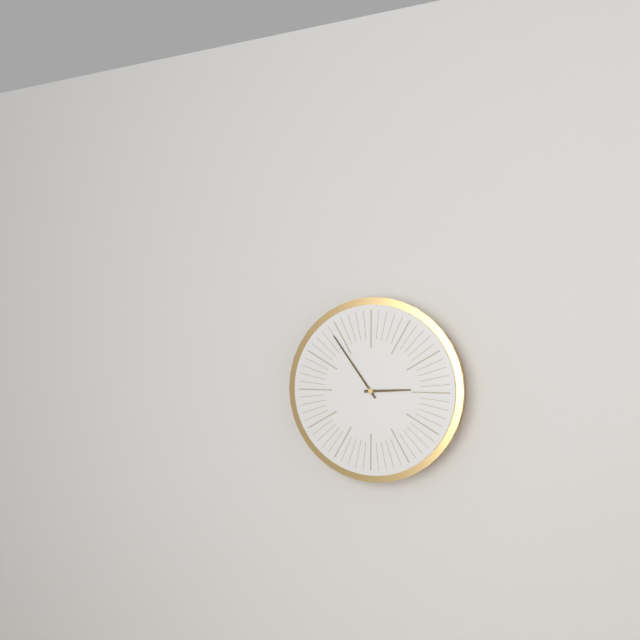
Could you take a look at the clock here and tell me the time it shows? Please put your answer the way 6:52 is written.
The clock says 2:54
